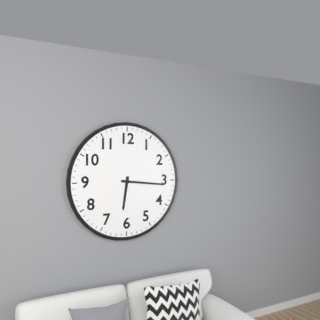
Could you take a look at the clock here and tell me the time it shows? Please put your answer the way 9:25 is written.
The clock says 6:16
